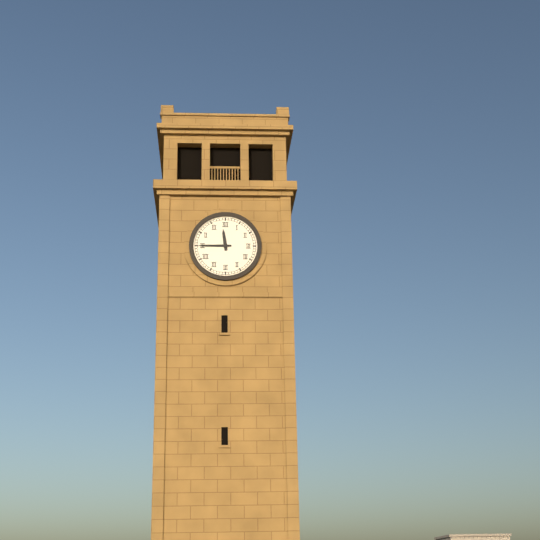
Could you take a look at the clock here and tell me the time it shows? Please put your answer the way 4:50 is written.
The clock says 11:45
